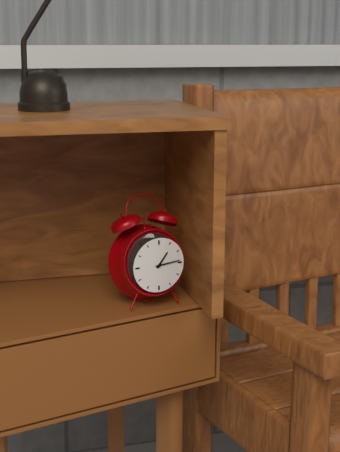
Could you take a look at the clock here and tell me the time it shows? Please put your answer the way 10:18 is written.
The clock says 1:14
